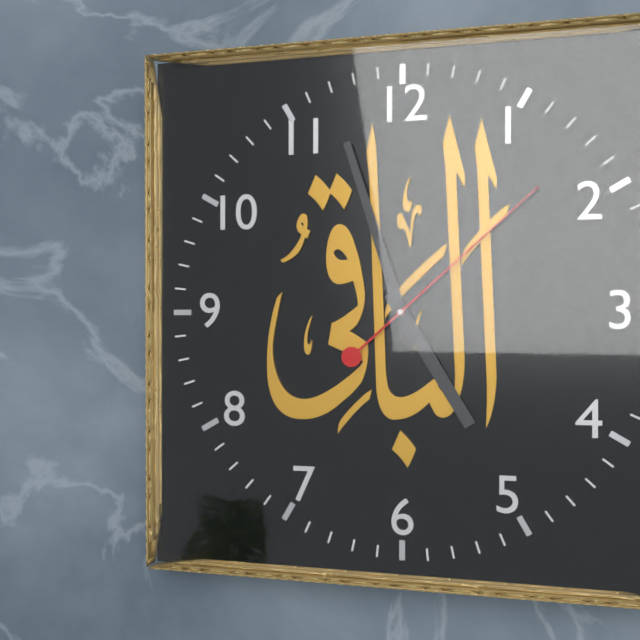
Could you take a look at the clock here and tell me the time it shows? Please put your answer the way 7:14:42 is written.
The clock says 4:57:08
